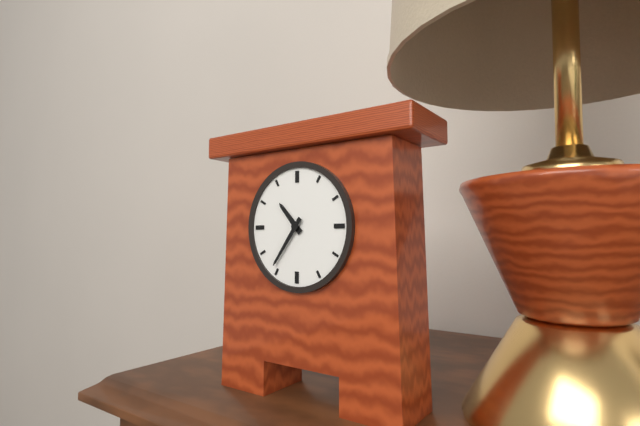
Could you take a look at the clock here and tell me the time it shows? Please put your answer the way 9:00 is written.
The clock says 10:36
